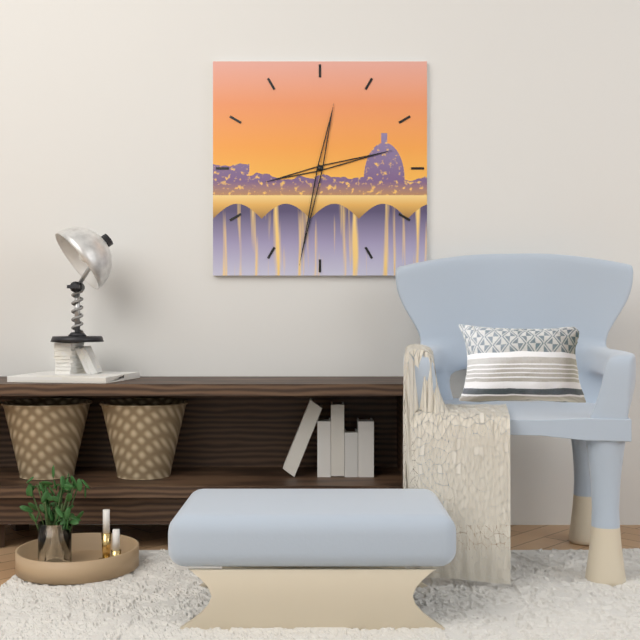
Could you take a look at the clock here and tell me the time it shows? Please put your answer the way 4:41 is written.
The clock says 2:32
